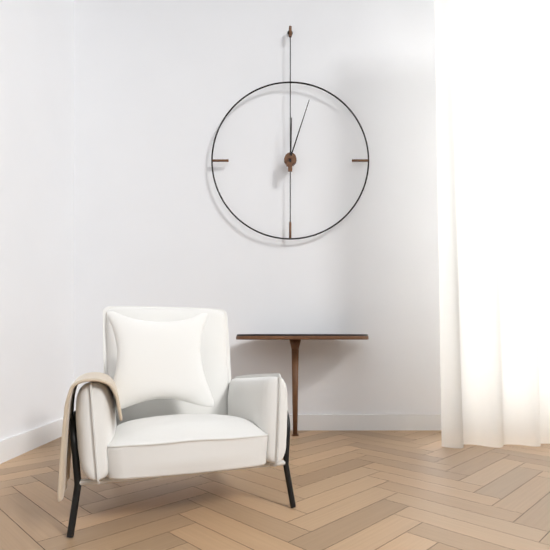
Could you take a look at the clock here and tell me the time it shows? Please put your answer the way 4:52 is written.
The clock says 12:03
